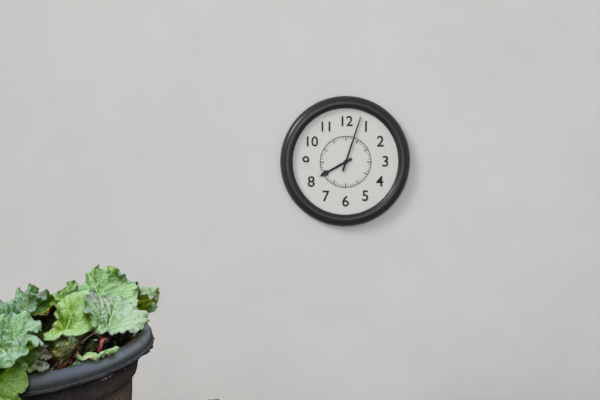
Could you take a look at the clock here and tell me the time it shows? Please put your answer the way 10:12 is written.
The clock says 8:03
